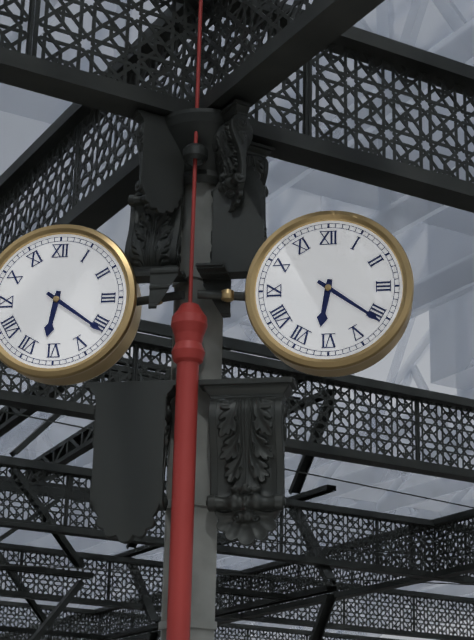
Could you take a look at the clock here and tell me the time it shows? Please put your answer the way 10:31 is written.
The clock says 6:21
